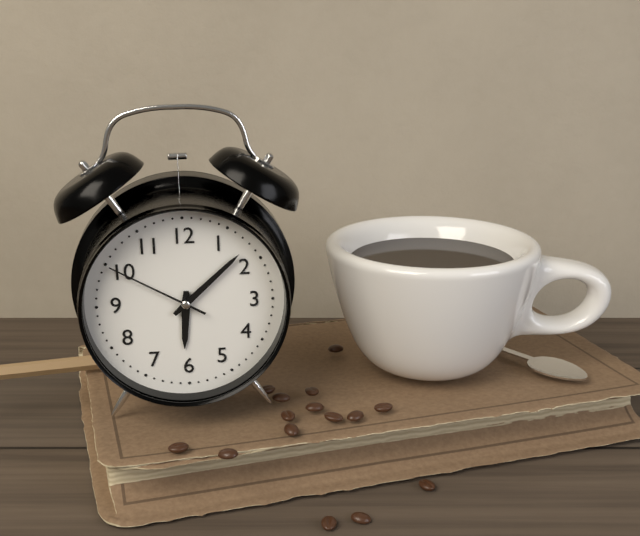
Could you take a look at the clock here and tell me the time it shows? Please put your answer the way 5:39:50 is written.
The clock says 6:08:50
